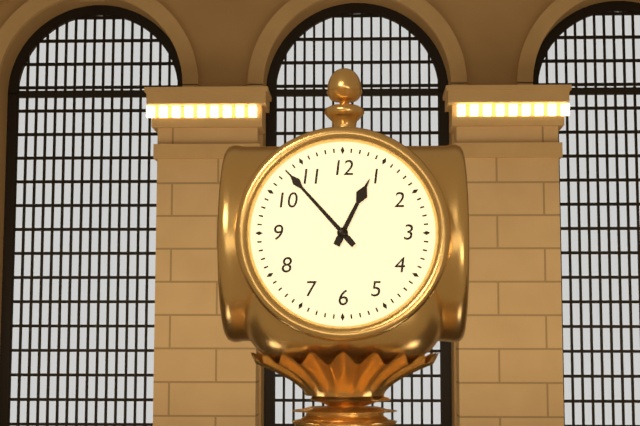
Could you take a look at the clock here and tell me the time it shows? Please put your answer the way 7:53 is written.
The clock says 12:53
